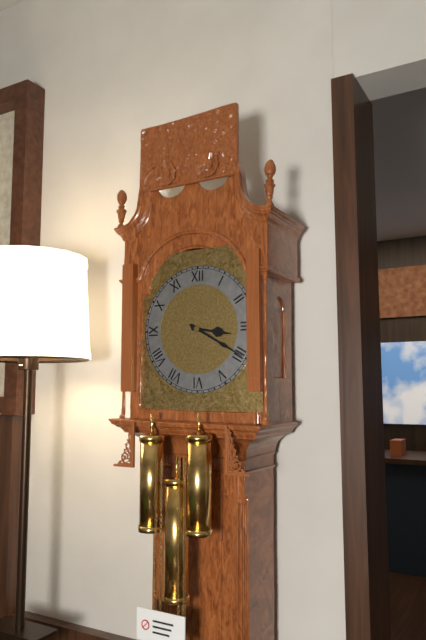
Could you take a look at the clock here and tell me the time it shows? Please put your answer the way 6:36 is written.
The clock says 3:20
